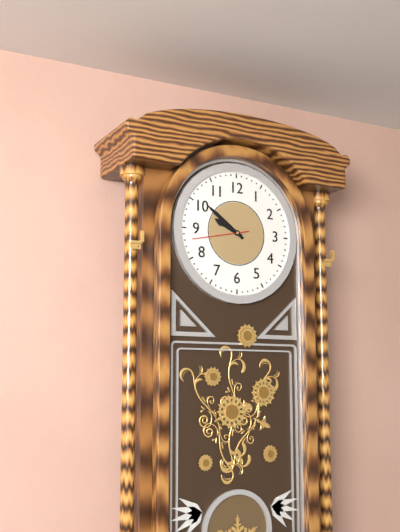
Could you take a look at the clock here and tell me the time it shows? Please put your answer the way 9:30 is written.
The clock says 9:51
